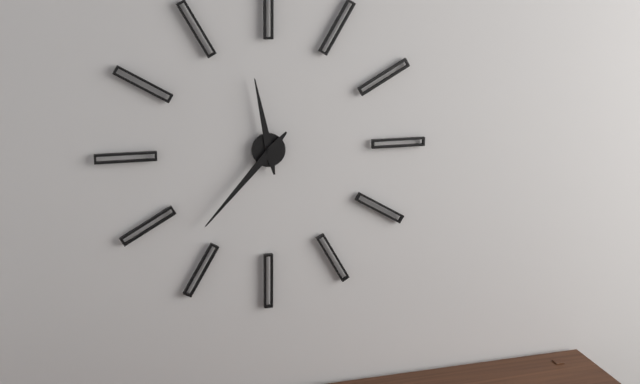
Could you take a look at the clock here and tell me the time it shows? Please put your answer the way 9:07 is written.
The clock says 11:37
